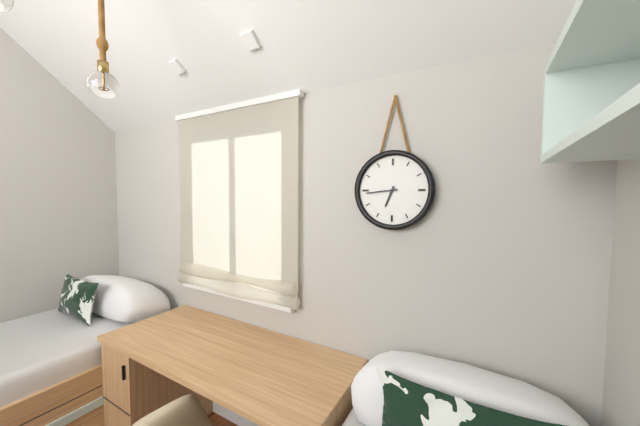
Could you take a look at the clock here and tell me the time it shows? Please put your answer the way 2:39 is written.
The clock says 6:44
